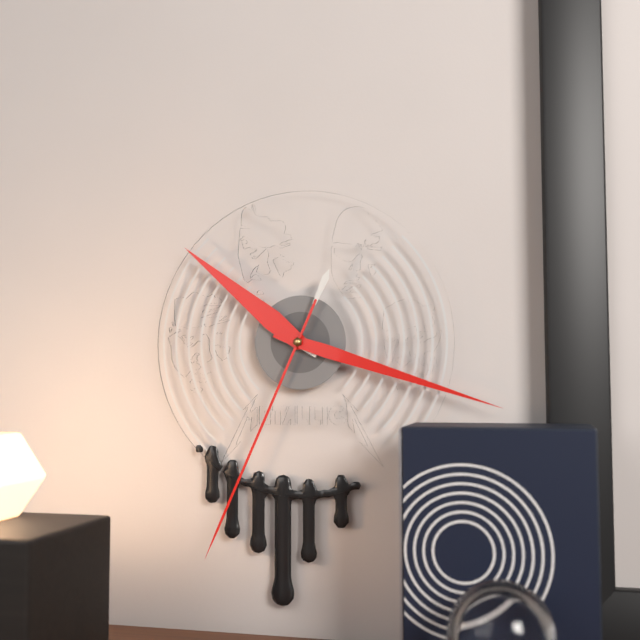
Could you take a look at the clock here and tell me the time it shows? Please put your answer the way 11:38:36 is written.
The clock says 10:18:34
